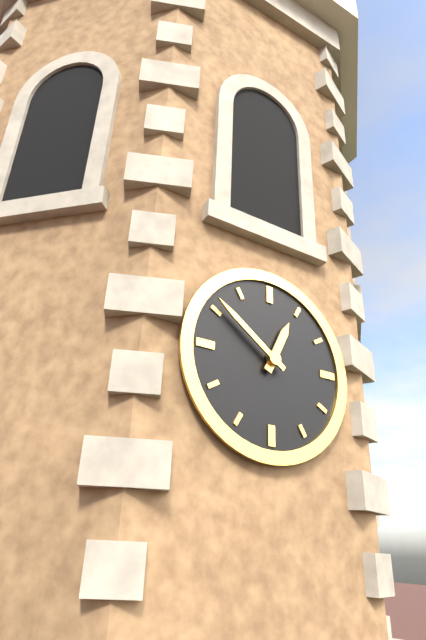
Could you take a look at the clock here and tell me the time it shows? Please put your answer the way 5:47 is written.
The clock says 12:51
